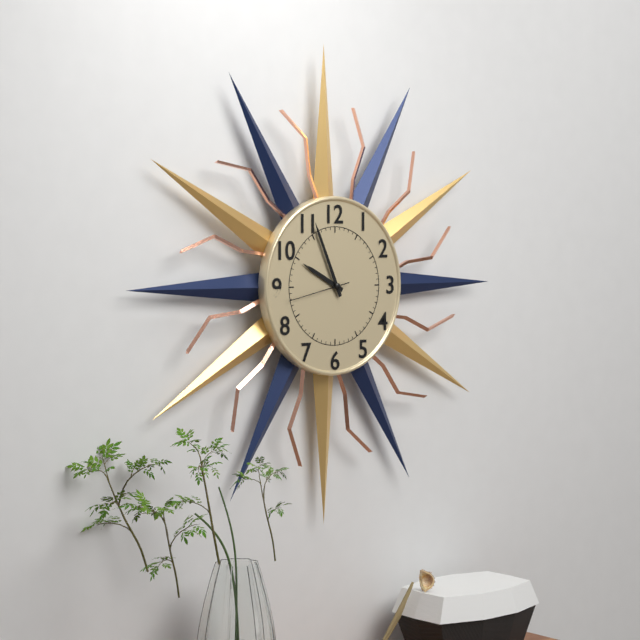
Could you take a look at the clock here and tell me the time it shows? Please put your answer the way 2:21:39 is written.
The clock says 9:56:43
